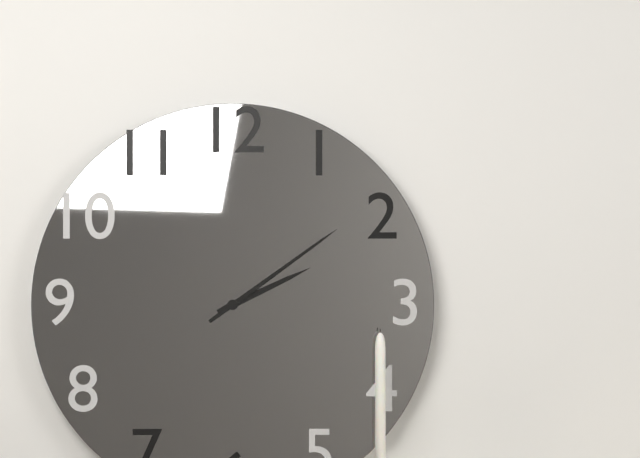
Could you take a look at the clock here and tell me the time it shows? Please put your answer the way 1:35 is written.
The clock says 2:09
